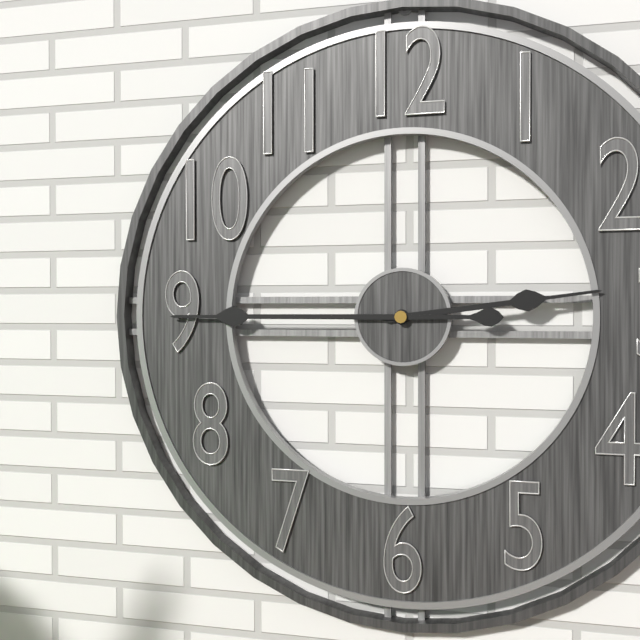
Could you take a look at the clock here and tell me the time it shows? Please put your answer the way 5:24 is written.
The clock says 2:45
